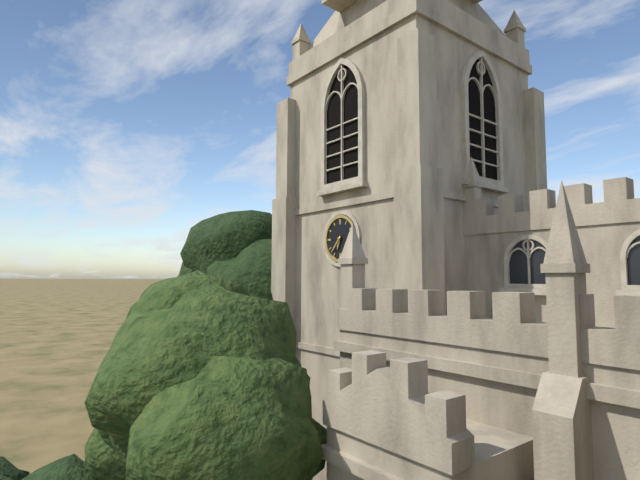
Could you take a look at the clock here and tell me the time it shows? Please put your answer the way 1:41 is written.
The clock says 6:37
